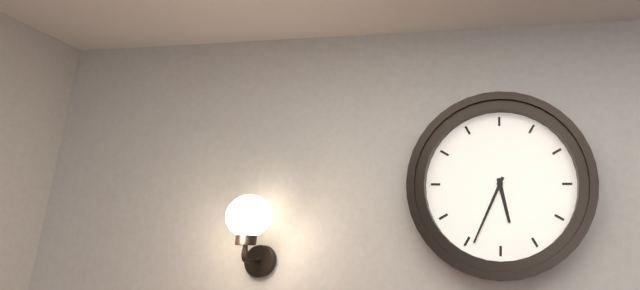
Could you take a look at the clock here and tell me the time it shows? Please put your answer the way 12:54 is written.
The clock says 5:34
